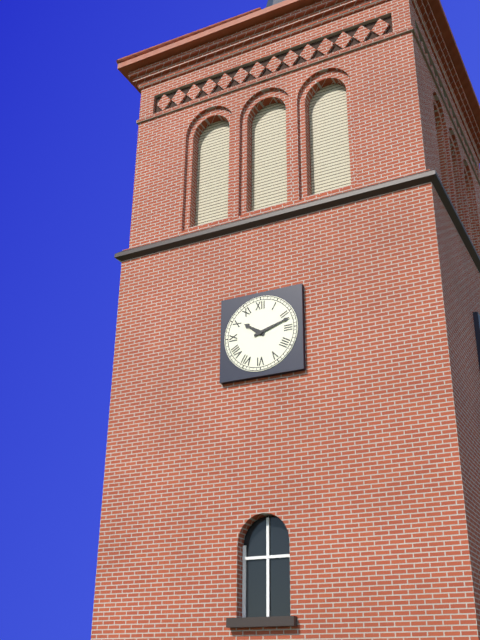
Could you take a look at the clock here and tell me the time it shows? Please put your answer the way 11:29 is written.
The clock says 10:12
